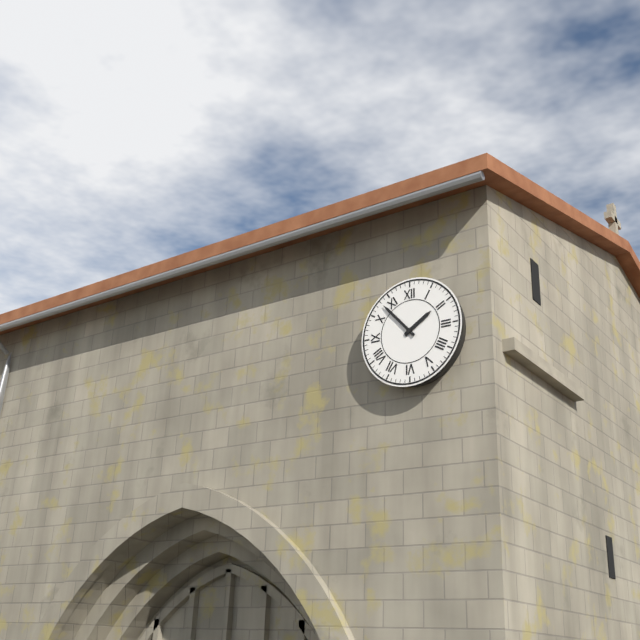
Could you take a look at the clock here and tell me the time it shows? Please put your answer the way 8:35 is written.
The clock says 1:53
